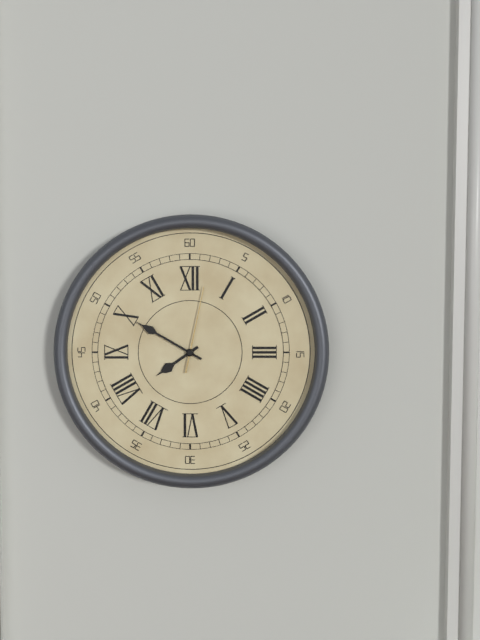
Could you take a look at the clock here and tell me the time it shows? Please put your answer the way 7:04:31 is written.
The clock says 7:50:02
